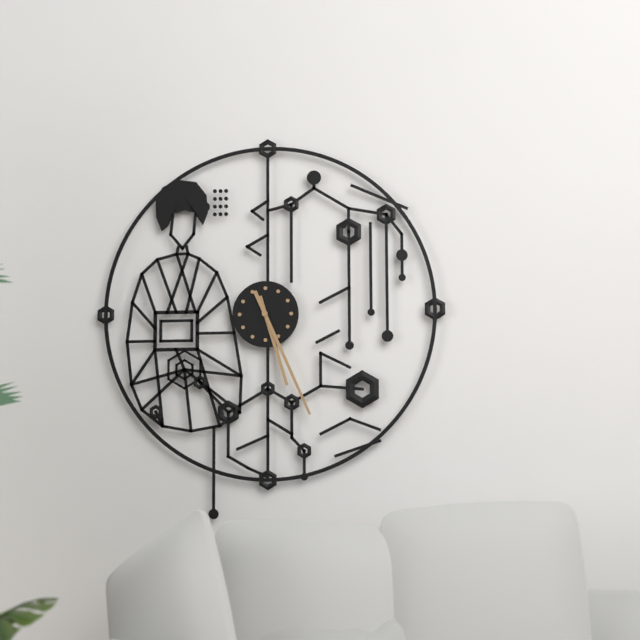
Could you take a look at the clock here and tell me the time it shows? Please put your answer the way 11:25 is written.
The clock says 5:26
